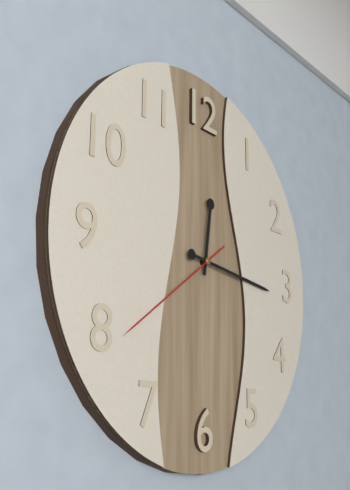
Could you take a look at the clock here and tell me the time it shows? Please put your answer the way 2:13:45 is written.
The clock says 12:16:39
